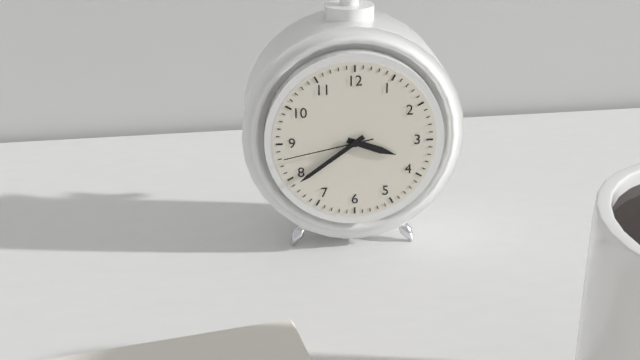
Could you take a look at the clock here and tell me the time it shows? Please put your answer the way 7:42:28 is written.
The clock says 3:39:43
